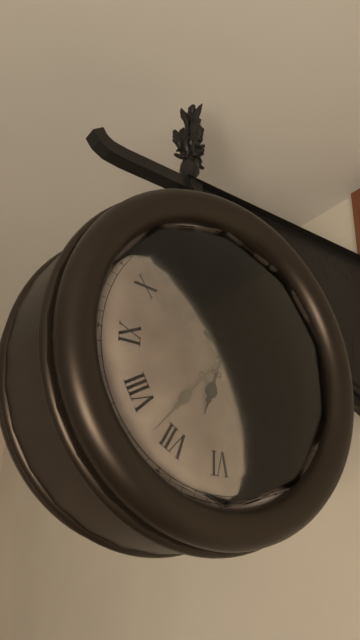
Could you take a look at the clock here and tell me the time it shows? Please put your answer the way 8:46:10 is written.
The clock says 6:37:22
